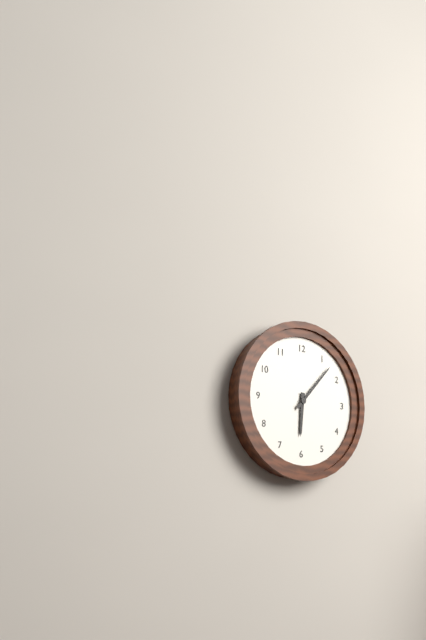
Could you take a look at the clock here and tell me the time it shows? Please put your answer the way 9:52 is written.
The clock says 6:07
